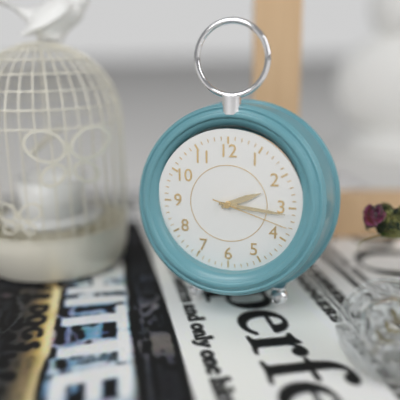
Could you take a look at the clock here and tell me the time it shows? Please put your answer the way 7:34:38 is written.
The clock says 2:16:18
